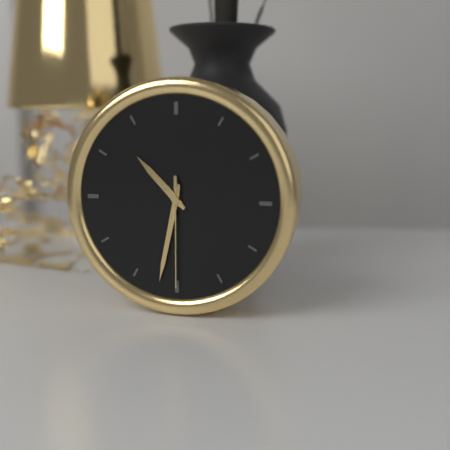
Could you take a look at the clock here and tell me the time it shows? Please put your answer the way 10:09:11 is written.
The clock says 10:32:30
